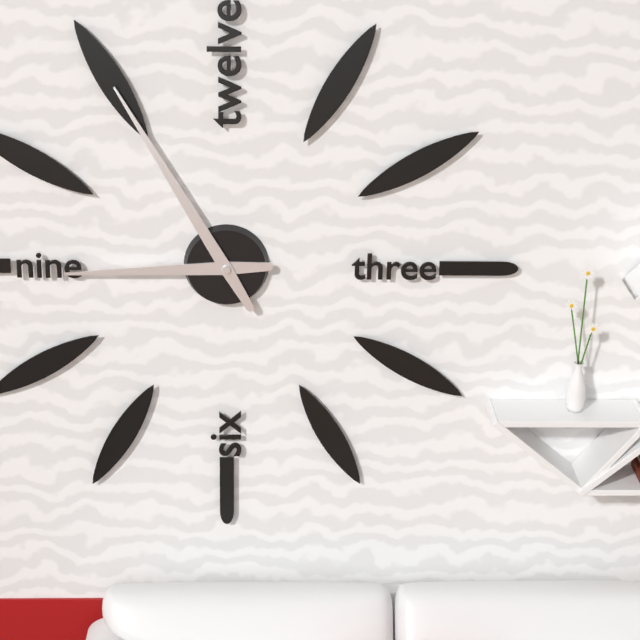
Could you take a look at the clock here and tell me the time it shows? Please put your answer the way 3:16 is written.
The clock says 8:55
